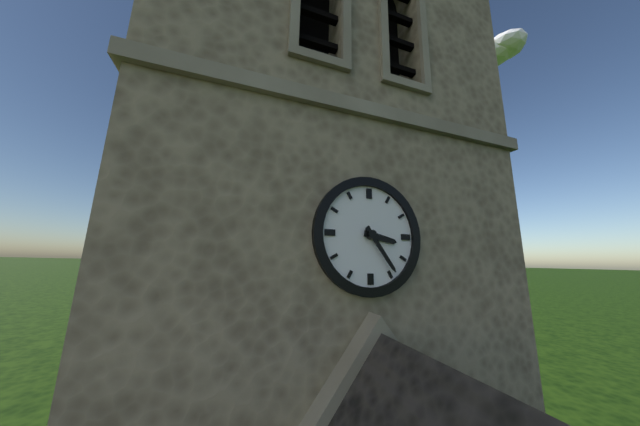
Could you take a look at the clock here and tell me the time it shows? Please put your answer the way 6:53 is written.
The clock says 3:24
